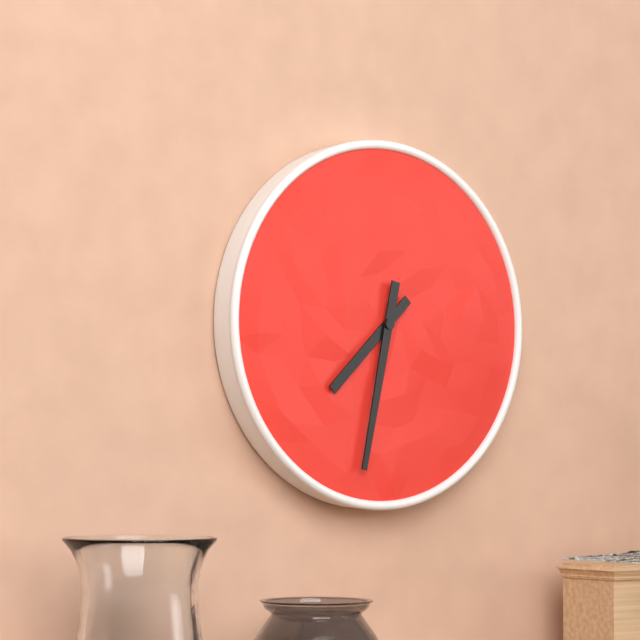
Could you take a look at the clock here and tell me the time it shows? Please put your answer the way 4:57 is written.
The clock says 7:32
